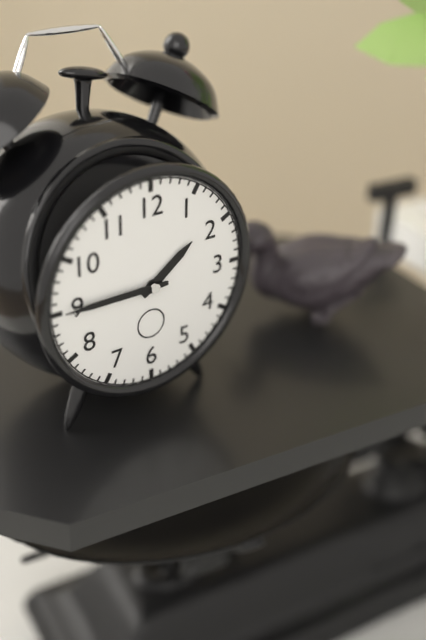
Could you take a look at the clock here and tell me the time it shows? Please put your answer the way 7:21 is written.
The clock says 1:45
